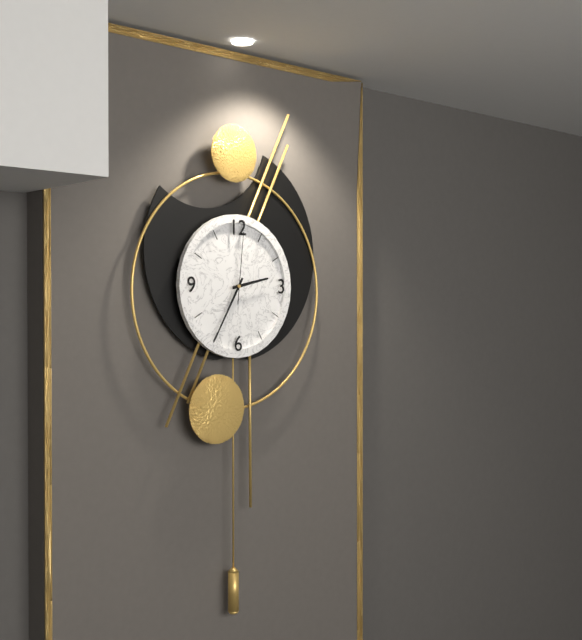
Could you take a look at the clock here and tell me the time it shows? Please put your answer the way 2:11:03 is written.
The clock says 2:35:01
